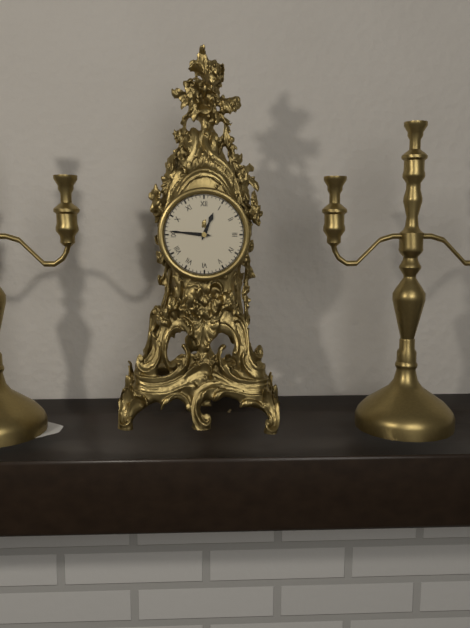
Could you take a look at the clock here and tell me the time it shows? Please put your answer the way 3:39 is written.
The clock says 12:46
